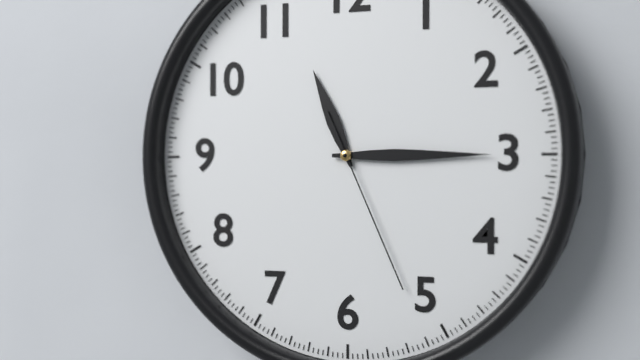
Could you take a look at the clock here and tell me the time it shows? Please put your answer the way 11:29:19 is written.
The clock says 11:15:26
